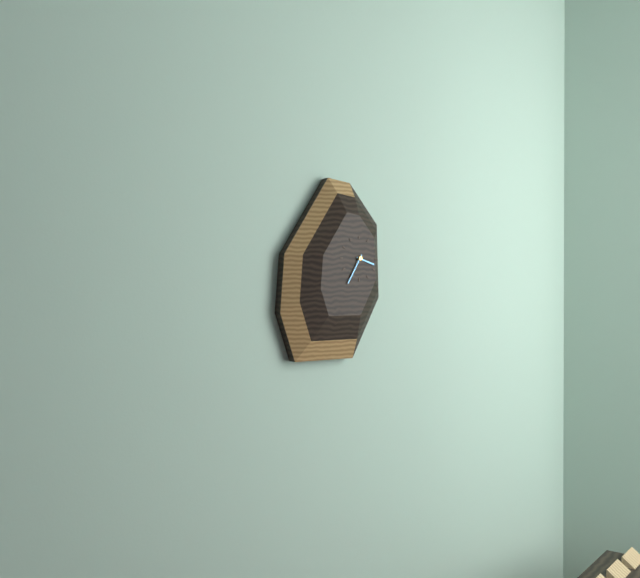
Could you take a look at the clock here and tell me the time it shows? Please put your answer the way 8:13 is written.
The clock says 3:35
